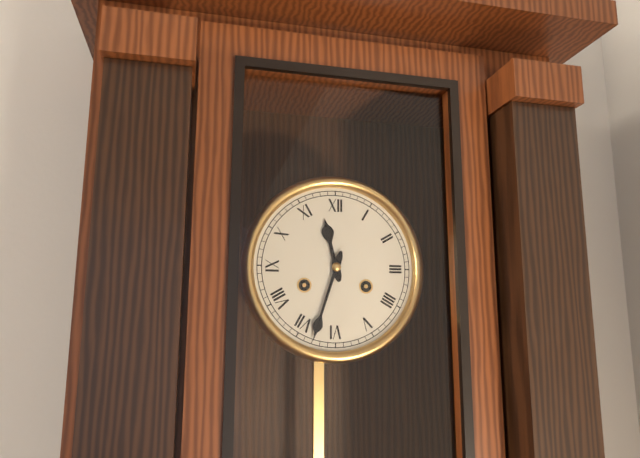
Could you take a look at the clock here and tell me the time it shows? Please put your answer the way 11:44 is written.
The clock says 11:33
